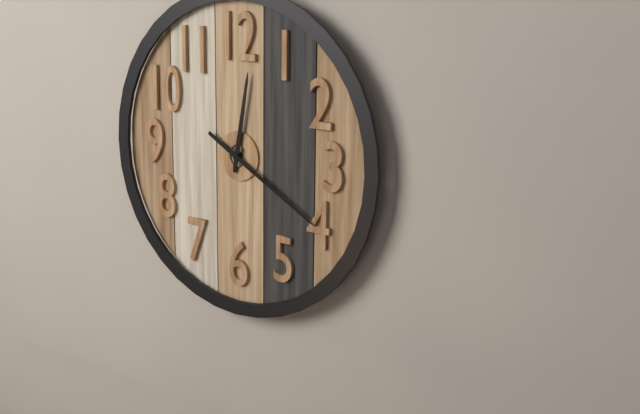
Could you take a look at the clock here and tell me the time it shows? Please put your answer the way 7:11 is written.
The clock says 12:20
